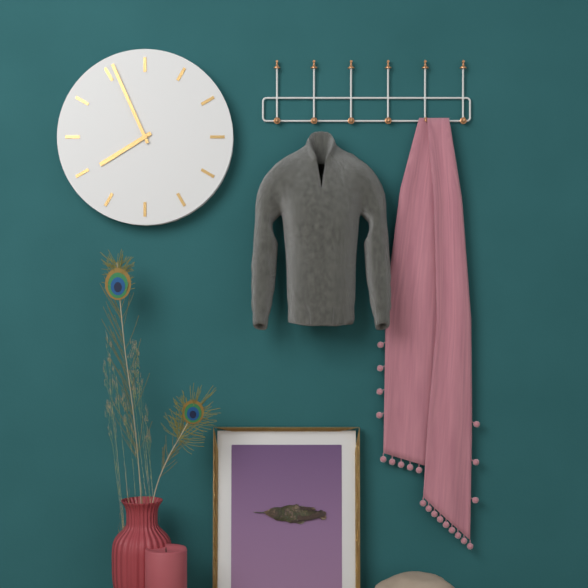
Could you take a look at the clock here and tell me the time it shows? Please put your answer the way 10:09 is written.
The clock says 7:56
